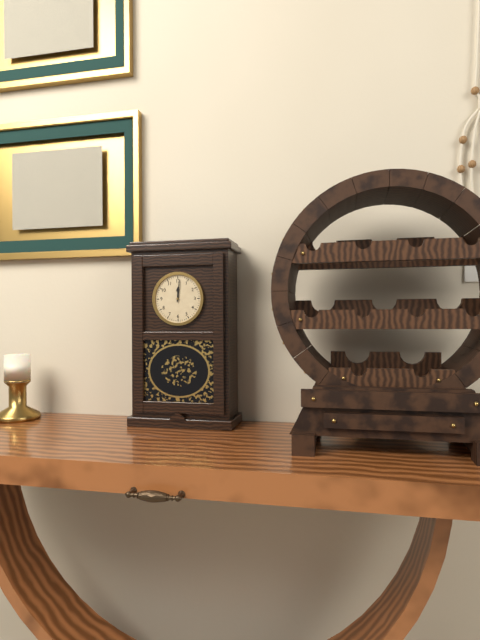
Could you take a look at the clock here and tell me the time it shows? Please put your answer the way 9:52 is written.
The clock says 12:01
